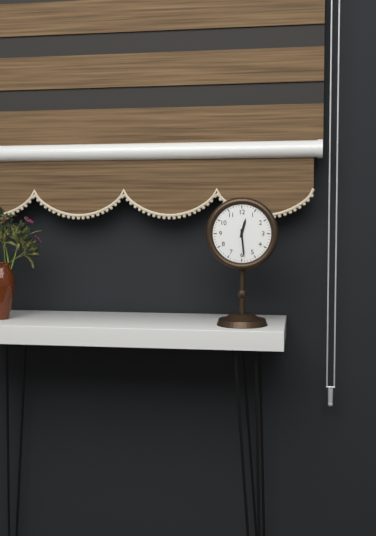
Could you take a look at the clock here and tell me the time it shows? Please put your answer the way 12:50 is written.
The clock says 12:29
